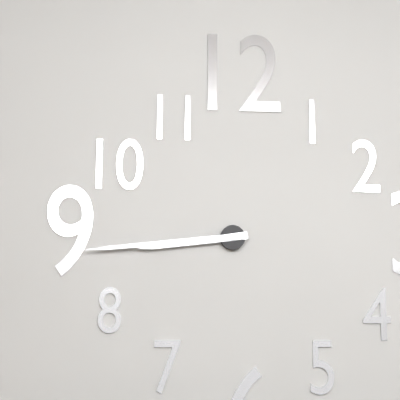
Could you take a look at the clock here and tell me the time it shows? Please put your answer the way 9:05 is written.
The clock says 8:44
